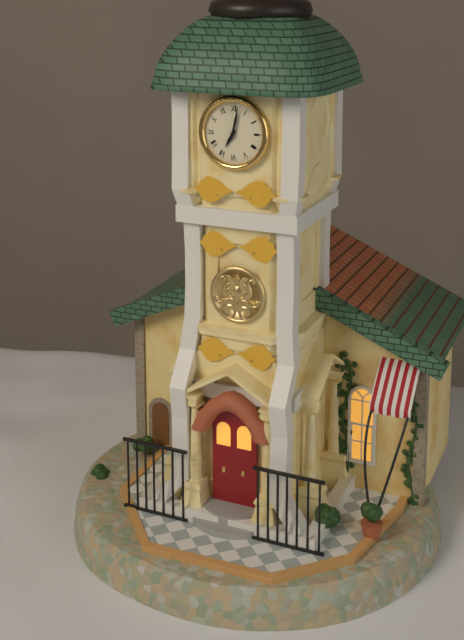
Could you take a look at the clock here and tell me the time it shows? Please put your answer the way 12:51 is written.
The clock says 7:02
